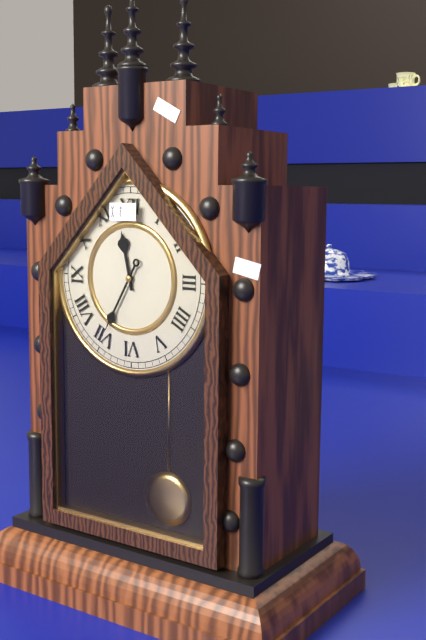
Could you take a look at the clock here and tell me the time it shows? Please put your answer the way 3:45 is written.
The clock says 11:35
